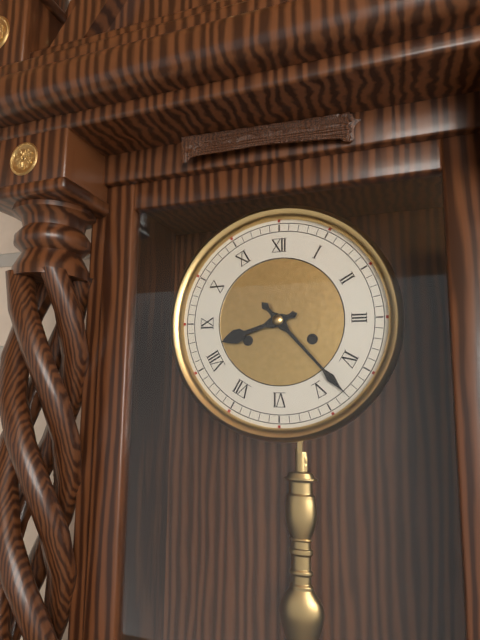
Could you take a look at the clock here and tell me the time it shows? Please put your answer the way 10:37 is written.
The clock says 8:23
